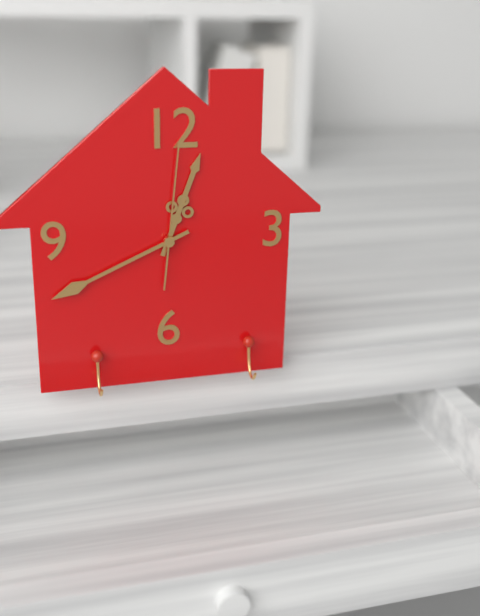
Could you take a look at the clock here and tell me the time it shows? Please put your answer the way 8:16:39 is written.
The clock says 12:41:01
